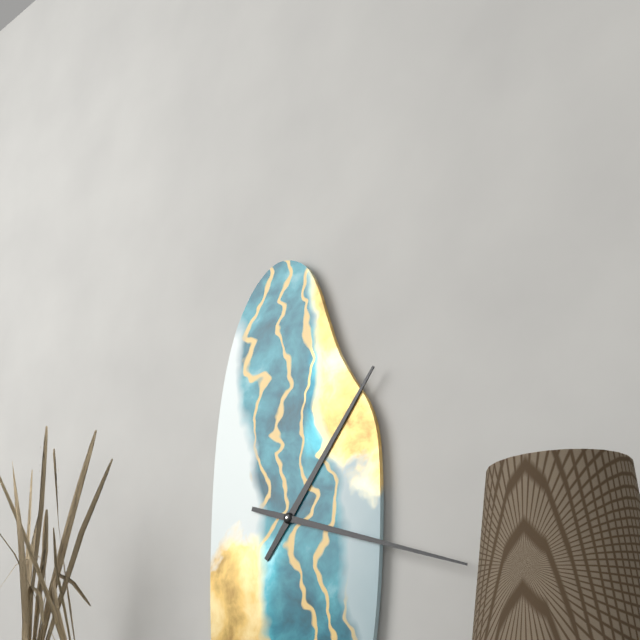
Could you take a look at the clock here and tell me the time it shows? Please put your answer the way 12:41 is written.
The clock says 1:18
